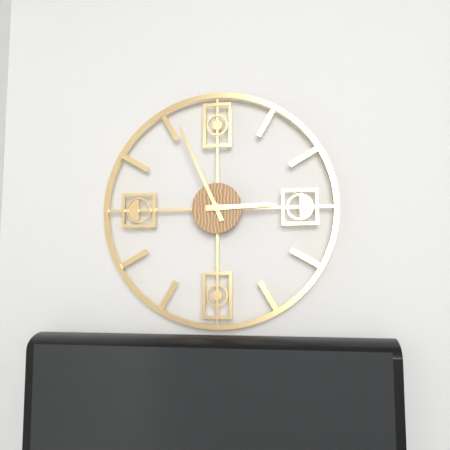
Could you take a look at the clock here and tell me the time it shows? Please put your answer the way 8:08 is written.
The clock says 2:56
